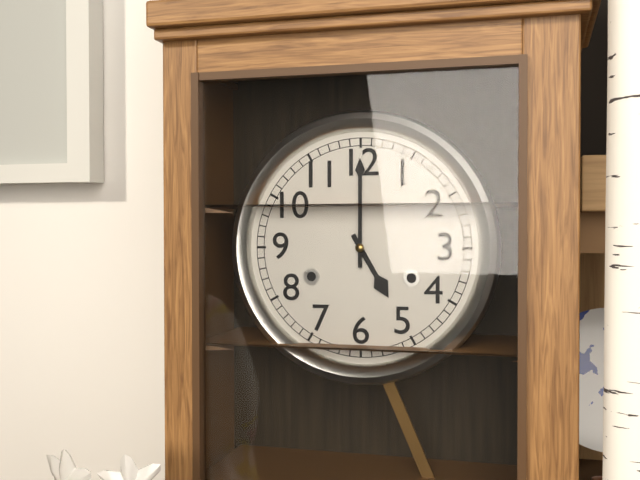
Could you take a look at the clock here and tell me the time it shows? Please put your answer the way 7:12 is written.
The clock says 5:00
